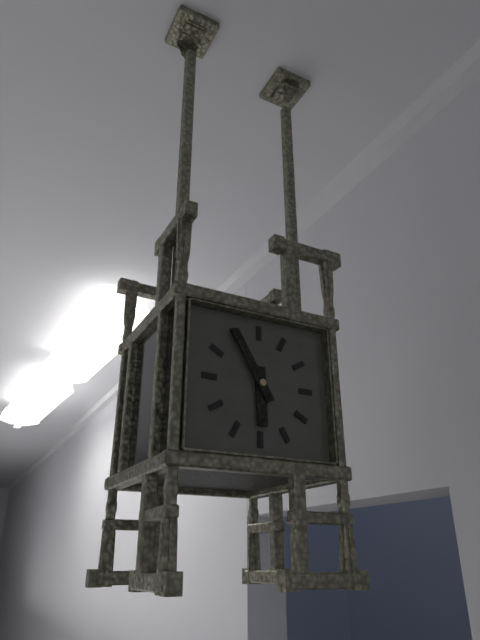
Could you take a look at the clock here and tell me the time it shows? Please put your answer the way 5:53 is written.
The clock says 5:55
